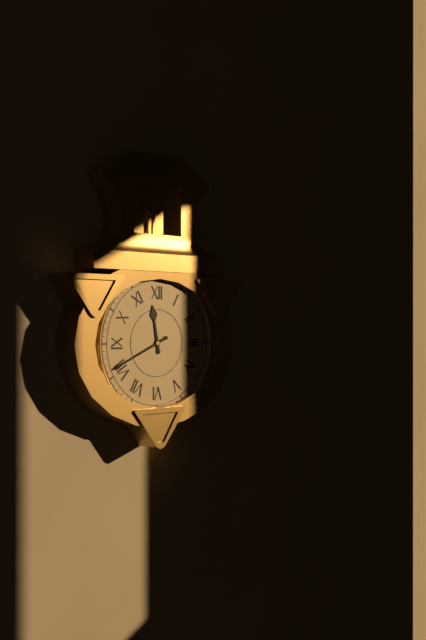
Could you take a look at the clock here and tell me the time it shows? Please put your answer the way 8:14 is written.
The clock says 11:41
